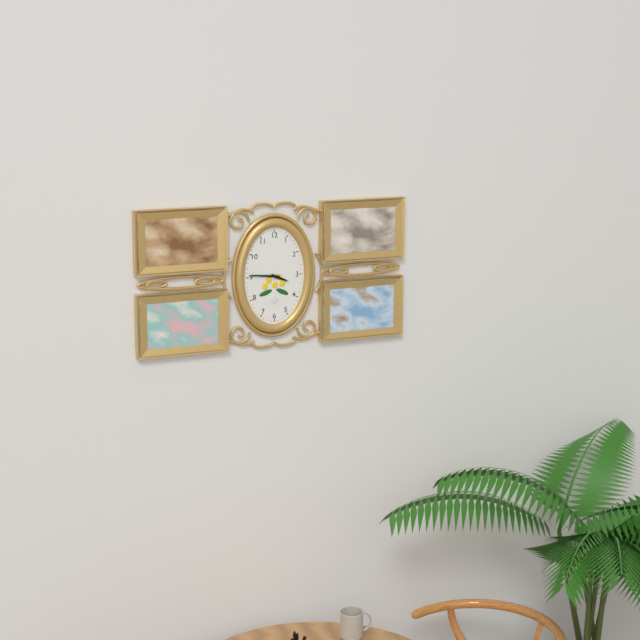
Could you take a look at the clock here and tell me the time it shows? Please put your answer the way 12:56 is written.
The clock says 3:46
